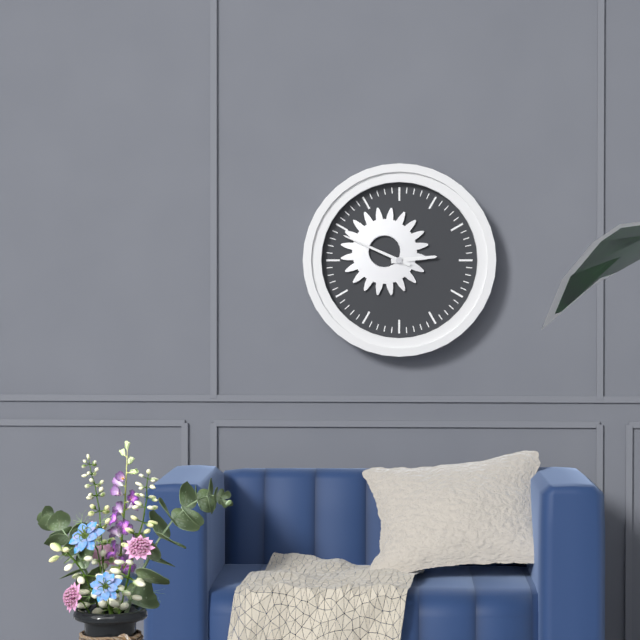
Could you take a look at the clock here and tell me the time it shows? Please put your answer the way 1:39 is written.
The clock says 2:49
